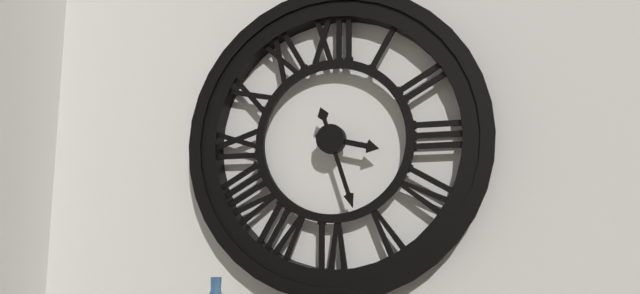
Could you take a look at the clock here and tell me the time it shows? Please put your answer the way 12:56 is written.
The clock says 3:27
